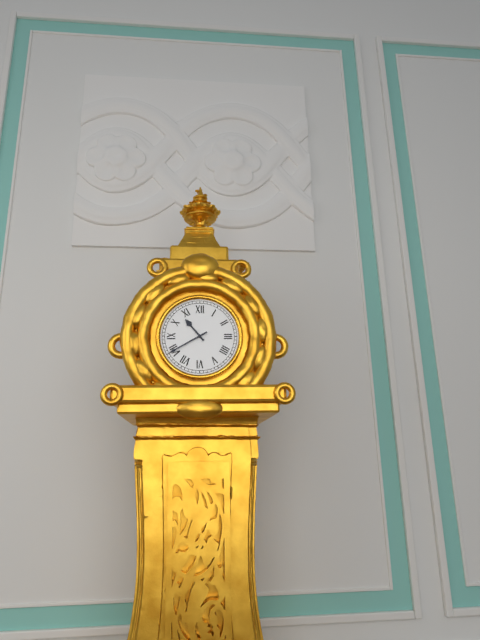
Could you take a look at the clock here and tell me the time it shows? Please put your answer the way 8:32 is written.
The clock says 10:40
